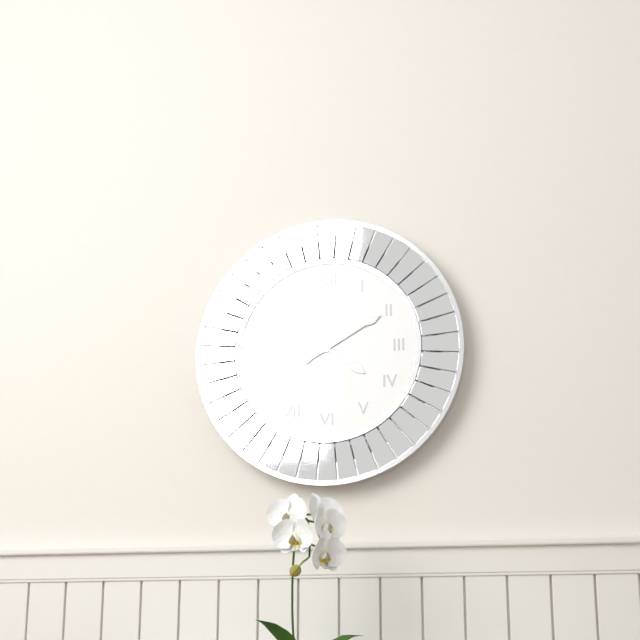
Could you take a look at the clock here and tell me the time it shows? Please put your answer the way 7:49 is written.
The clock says 4:10
